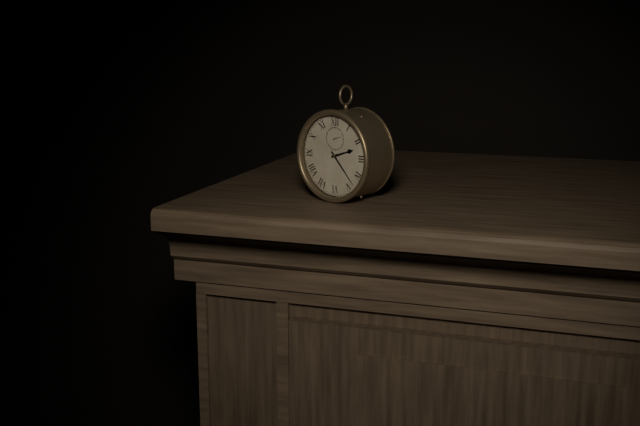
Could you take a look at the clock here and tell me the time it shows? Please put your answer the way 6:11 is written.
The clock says 2:23
